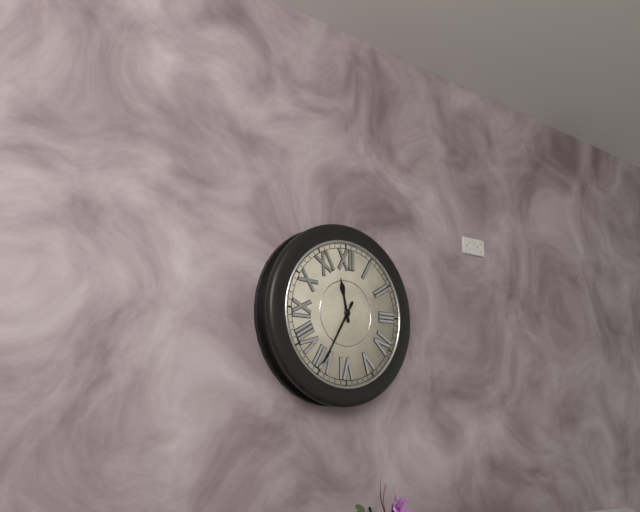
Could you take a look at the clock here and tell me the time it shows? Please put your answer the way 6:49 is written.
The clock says 11:35
